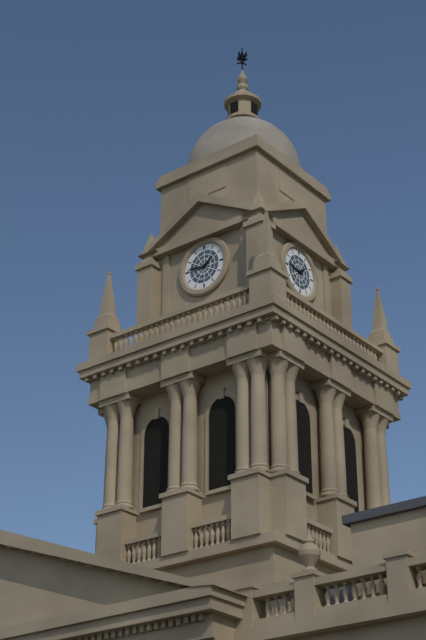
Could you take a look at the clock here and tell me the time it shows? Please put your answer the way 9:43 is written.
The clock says 1:46
